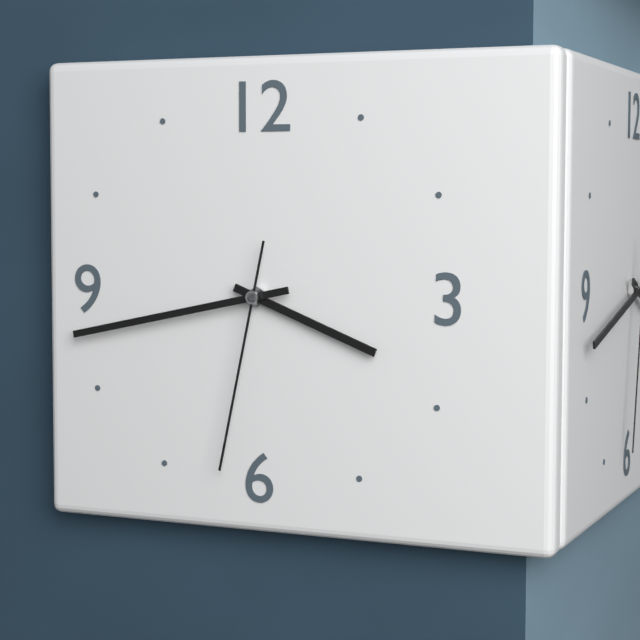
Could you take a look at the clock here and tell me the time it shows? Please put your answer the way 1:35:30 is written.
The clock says 3:43:32
